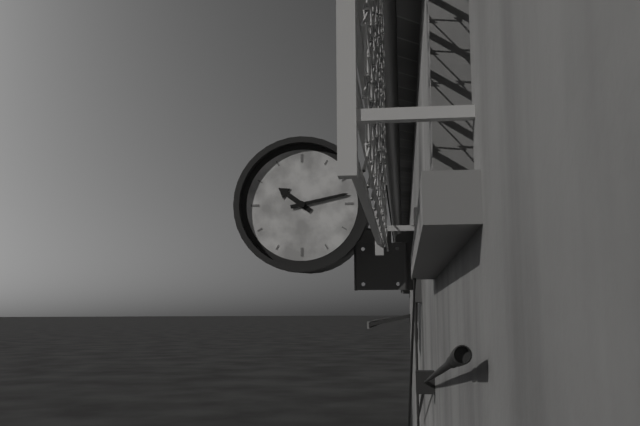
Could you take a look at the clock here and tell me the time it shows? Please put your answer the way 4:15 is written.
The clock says 10:13
